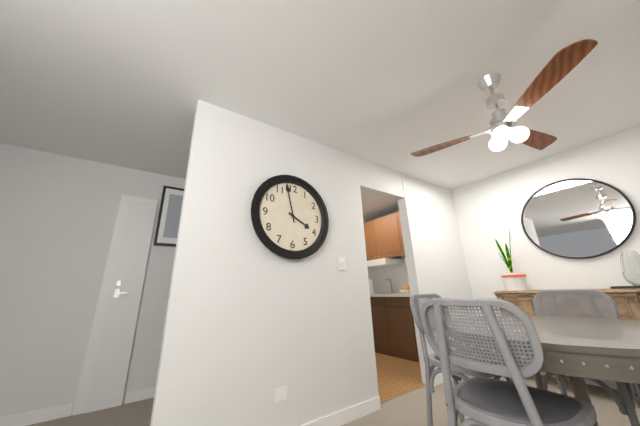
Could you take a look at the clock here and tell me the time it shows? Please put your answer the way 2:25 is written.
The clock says 3:58
